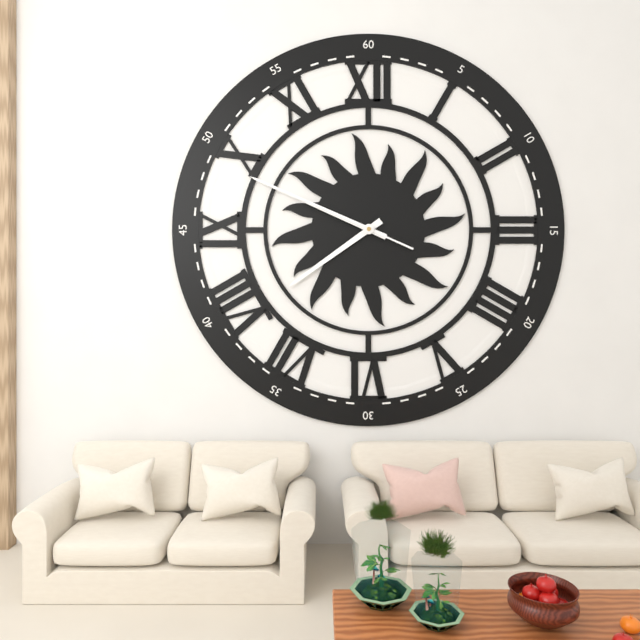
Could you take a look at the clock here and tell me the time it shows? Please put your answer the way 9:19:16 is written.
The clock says 7:49:49
